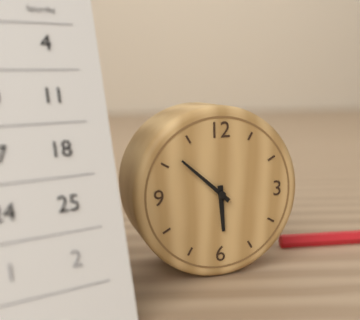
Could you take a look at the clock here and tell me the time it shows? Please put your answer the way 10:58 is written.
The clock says 5:52
